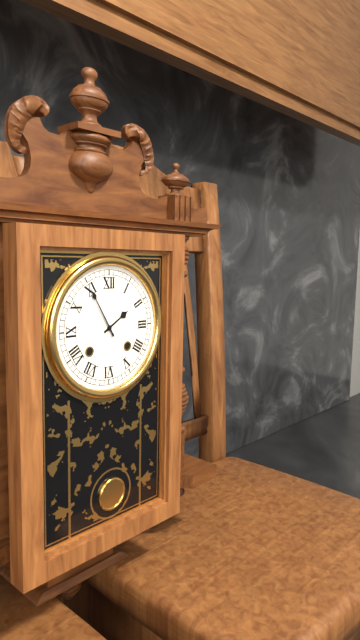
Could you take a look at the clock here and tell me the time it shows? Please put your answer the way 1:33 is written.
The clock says 1:55
